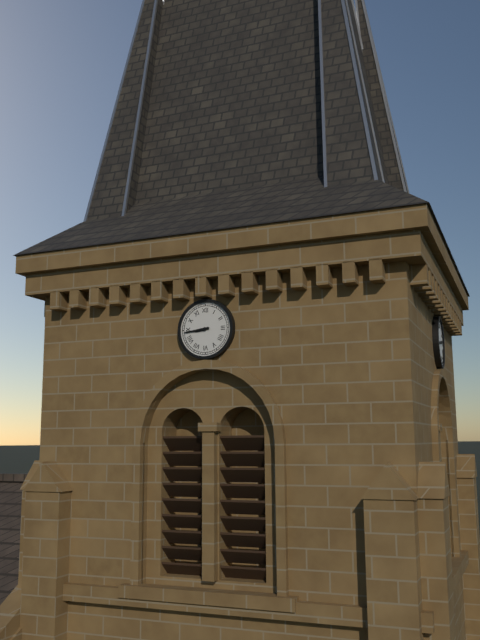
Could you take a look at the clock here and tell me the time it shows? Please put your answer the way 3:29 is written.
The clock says 8:44
